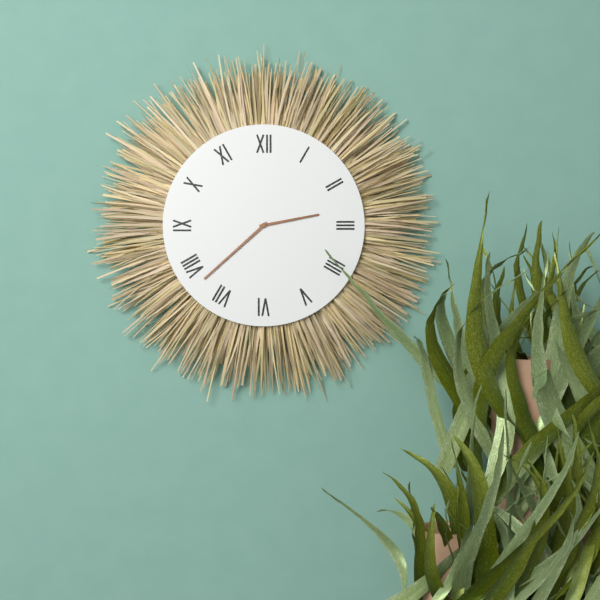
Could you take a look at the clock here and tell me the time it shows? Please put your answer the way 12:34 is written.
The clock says 2:38
